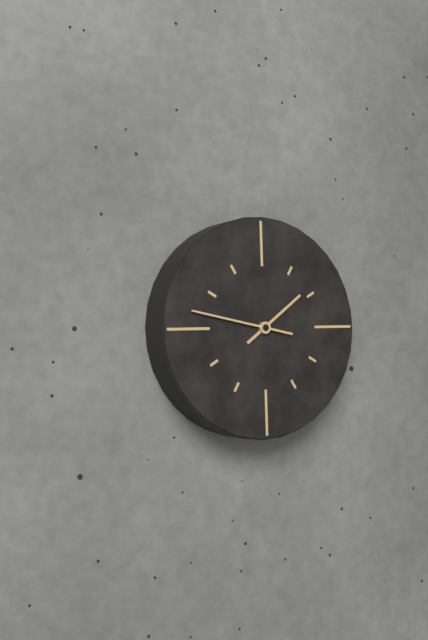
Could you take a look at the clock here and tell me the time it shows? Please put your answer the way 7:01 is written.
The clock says 1:47
